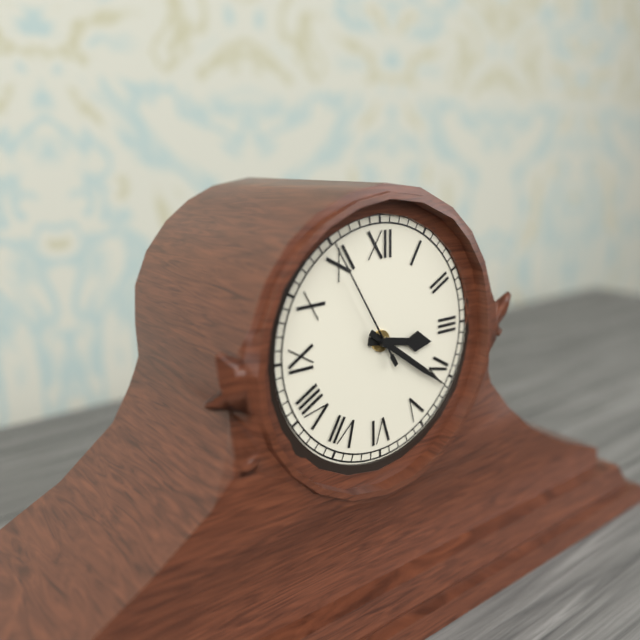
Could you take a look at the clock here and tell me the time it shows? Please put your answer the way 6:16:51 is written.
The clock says 3:21:55
